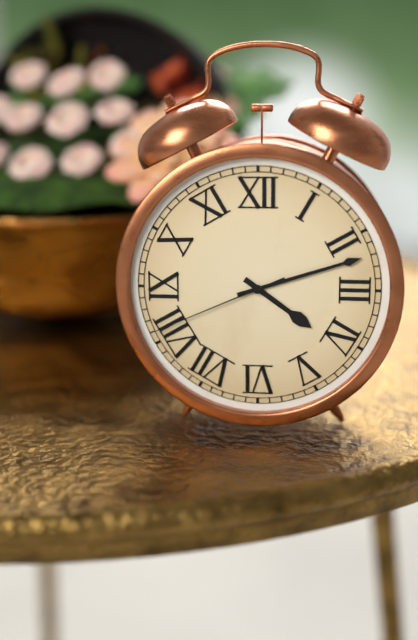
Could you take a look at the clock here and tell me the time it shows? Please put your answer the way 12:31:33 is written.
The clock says 4:12:41
